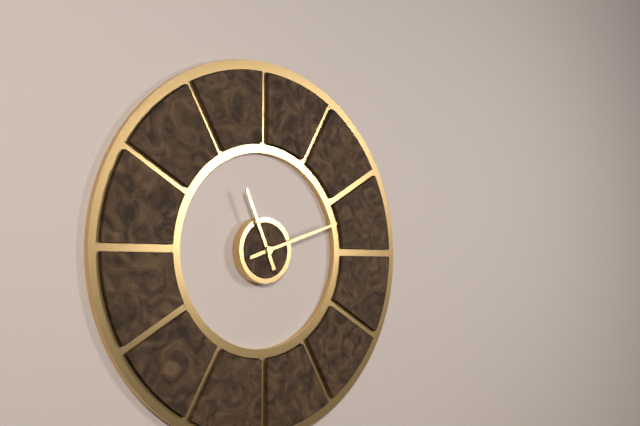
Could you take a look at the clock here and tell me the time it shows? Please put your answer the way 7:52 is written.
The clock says 11:12
